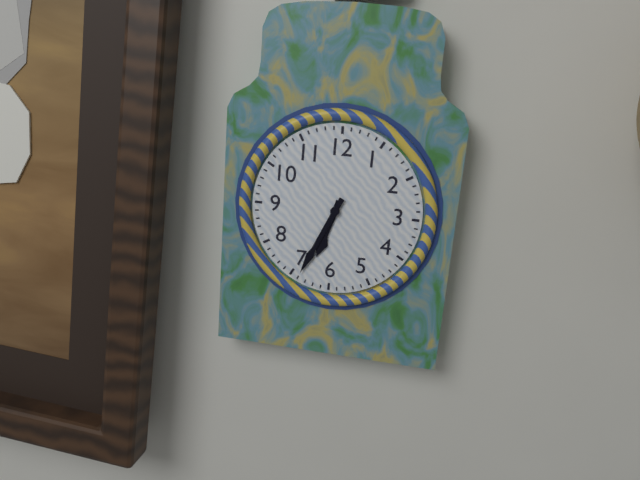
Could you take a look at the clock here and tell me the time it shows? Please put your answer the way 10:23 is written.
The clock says 6:34
